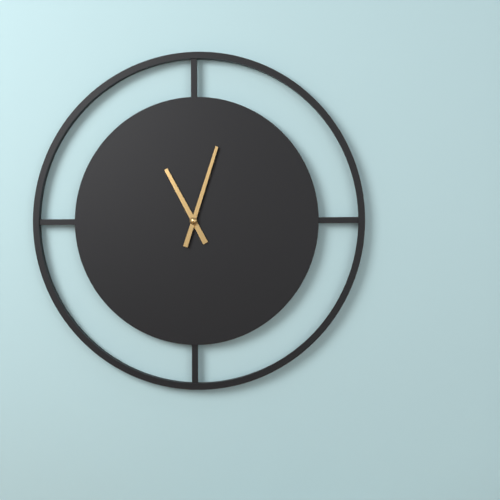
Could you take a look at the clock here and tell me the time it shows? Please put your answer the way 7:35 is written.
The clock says 11:03
